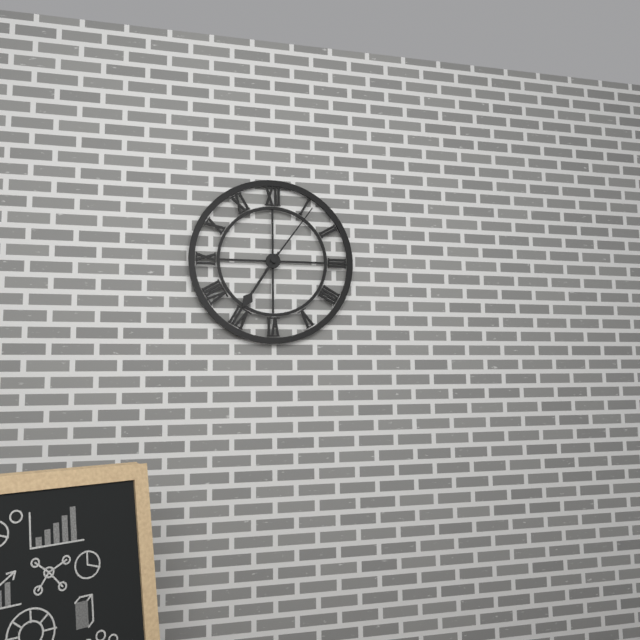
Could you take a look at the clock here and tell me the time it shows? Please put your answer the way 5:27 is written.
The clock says 7:06
